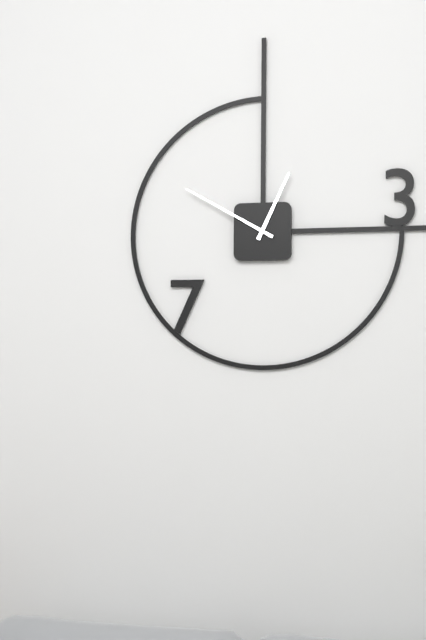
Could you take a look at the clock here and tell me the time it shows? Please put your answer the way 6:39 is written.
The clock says 12:50
